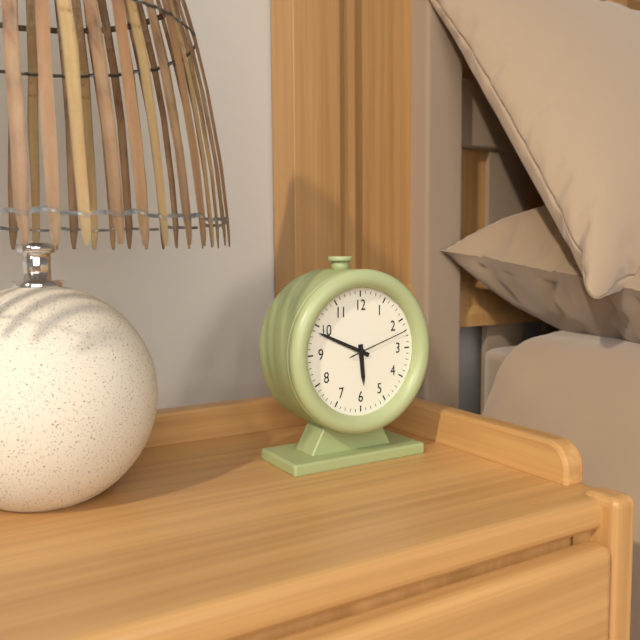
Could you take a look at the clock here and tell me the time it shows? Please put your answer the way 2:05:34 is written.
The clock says 5:49:12
